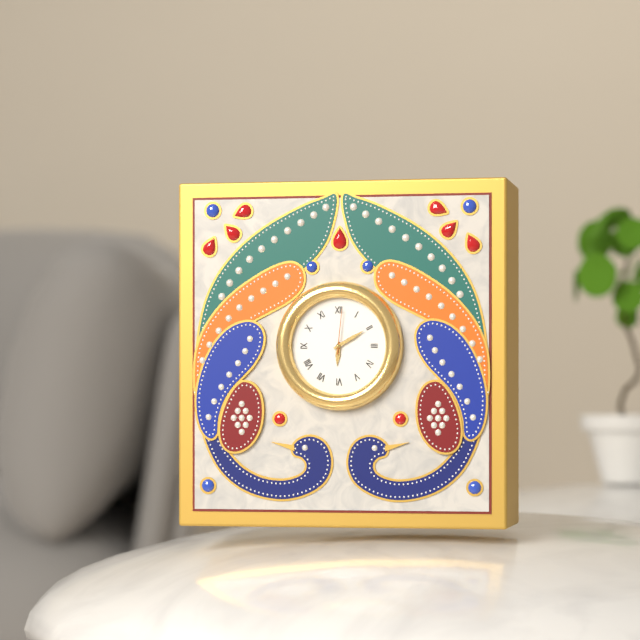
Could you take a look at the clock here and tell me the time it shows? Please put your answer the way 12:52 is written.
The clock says 6:10
